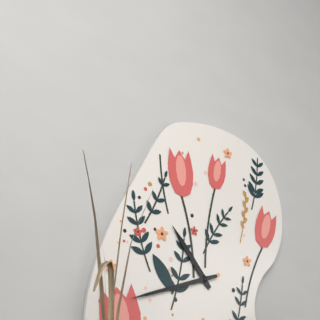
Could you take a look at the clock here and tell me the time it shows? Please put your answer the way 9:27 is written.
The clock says 10:42
